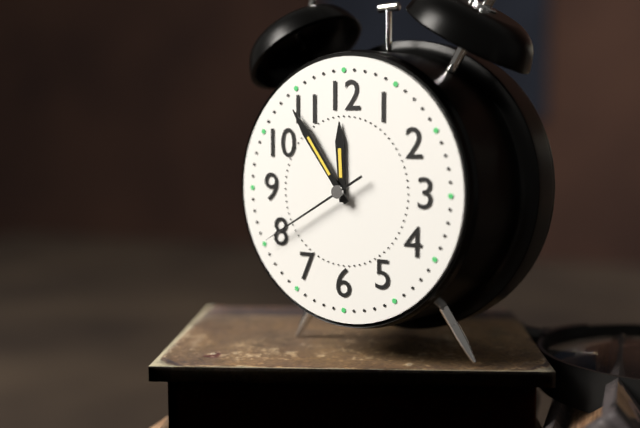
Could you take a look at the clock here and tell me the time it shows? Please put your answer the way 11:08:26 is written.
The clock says 11:54:40
